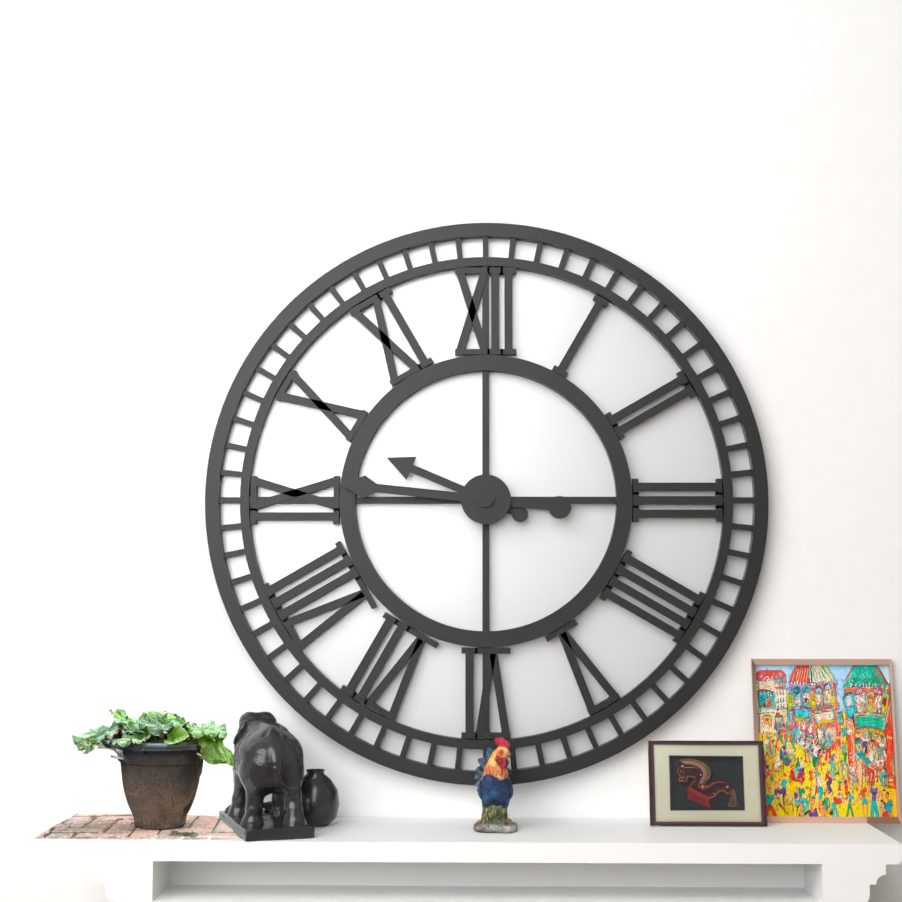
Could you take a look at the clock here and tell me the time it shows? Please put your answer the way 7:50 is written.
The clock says 9:46
